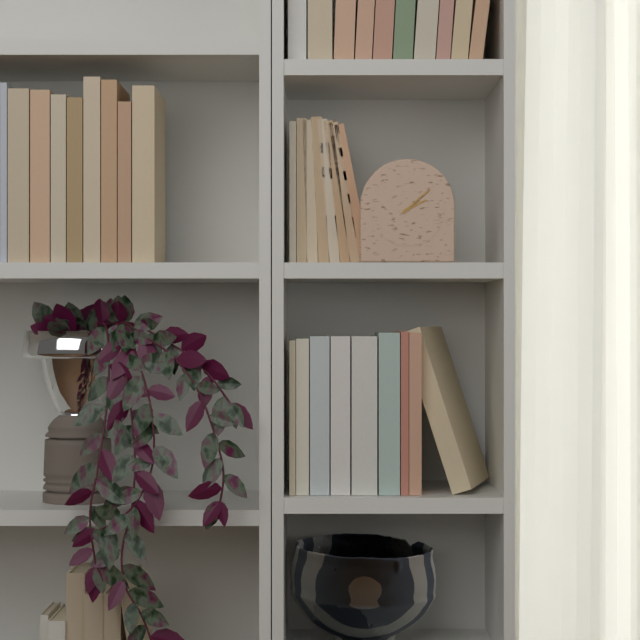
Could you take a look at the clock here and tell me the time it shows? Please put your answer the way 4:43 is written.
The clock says 2:08
